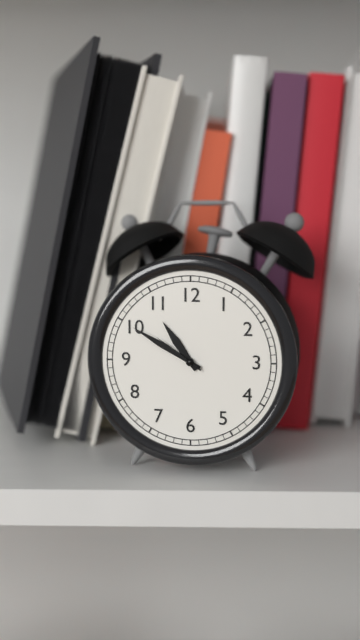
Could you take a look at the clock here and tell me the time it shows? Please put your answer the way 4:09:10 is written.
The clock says 10:50:51
